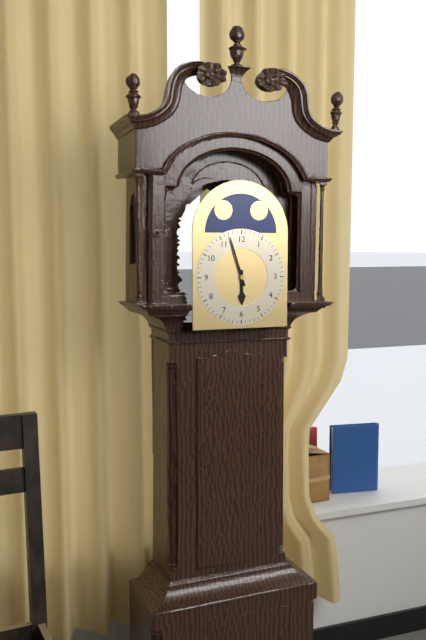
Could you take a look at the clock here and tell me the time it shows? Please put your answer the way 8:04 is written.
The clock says 5:57
